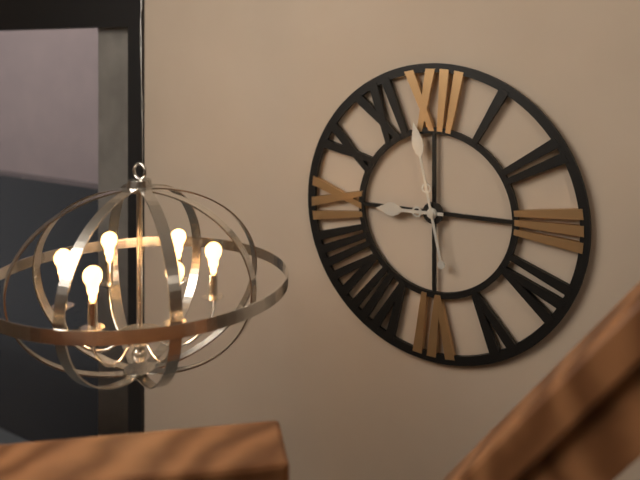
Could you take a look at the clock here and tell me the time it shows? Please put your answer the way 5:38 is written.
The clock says 8:58
